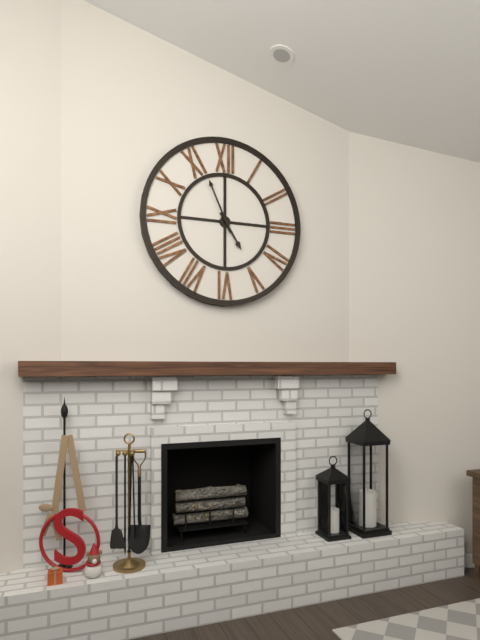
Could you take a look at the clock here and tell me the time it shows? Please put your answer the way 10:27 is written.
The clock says 4:56
